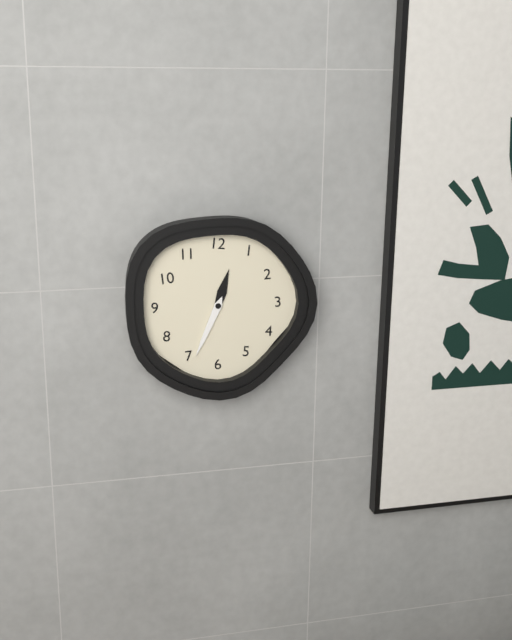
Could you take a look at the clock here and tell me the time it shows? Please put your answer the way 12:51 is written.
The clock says 12:34
